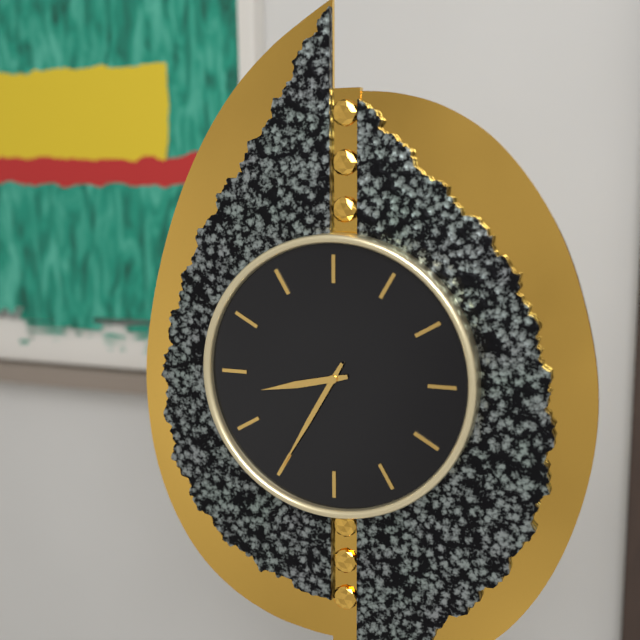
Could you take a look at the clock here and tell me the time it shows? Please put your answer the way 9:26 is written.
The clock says 8:35
